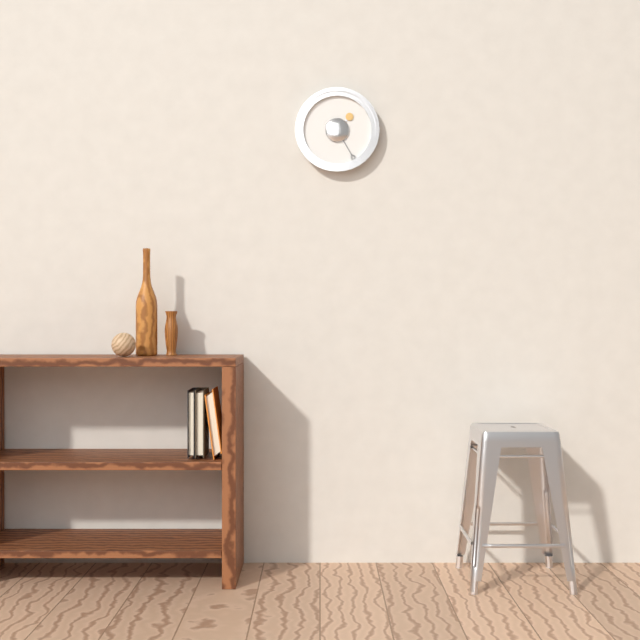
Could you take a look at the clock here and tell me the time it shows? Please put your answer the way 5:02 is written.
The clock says 1:25
